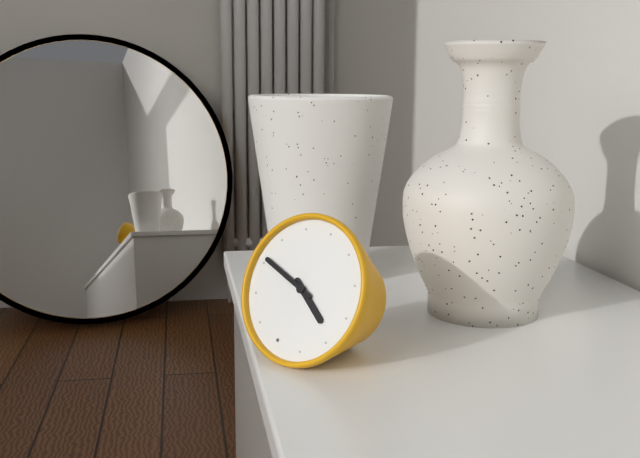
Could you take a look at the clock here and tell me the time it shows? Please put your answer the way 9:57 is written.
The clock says 3:46
